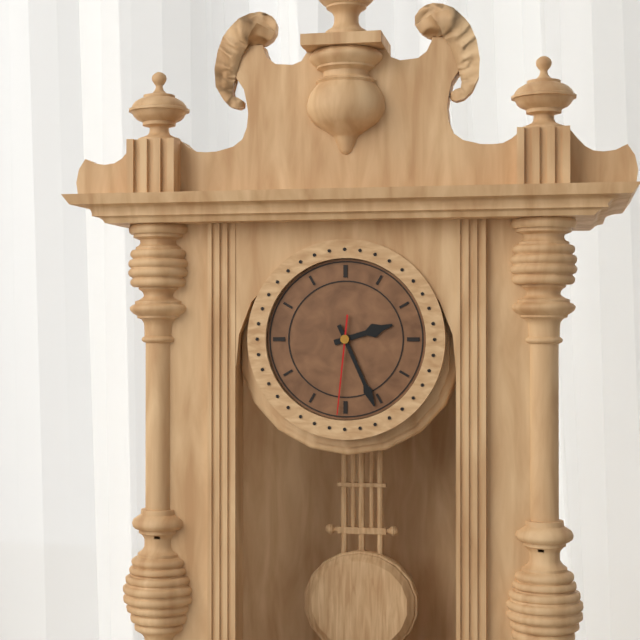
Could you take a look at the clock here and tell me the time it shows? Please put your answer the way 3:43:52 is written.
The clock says 2:26:31
